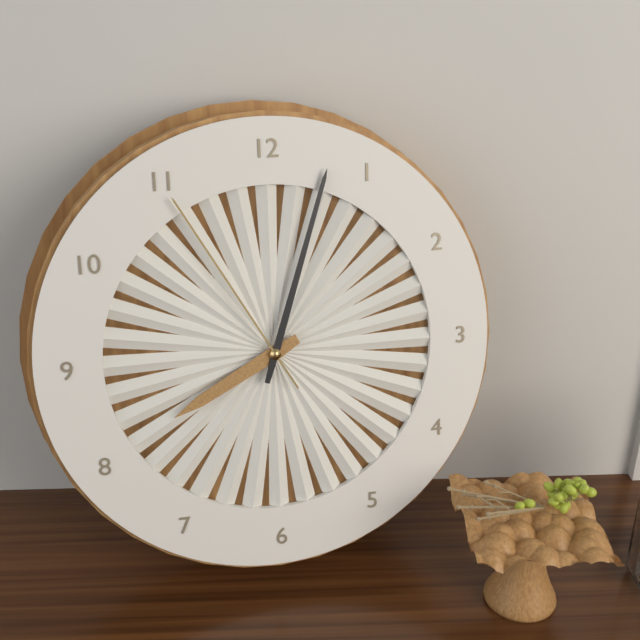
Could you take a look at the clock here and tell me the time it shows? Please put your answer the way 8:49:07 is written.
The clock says 8:03:55
